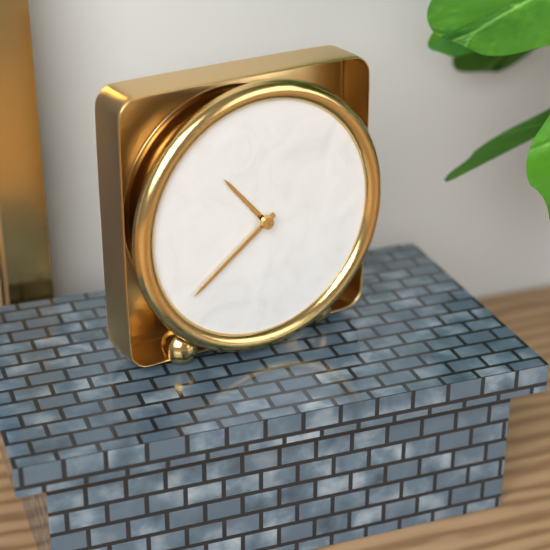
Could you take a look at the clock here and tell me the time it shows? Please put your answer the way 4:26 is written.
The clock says 10:39
